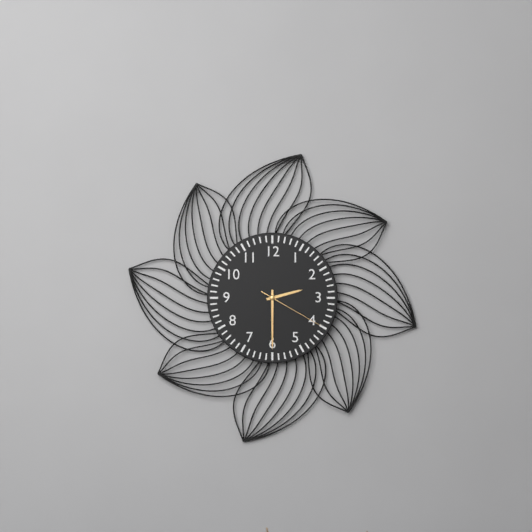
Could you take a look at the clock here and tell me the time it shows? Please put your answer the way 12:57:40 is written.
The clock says 2:30:20
